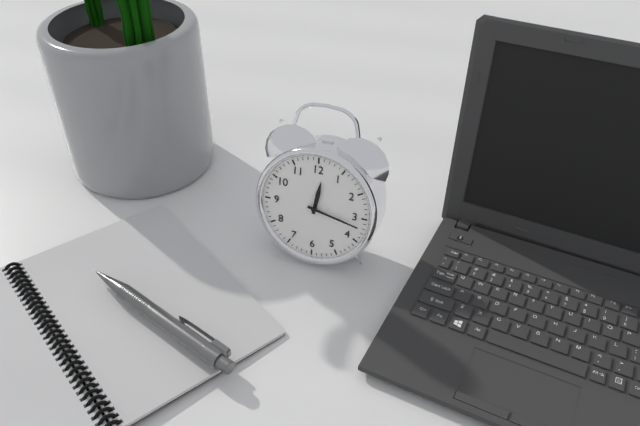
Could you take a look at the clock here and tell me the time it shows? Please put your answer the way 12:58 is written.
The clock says 12:17
